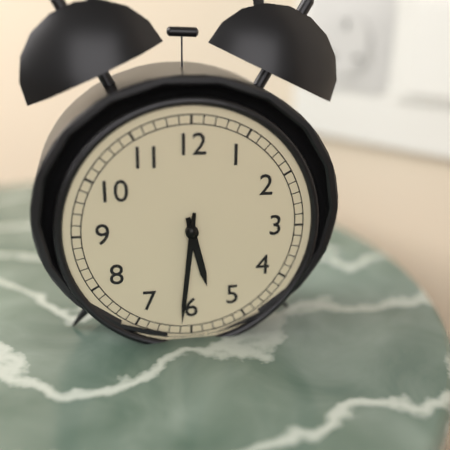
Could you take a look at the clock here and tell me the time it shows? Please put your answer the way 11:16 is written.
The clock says 5:31
